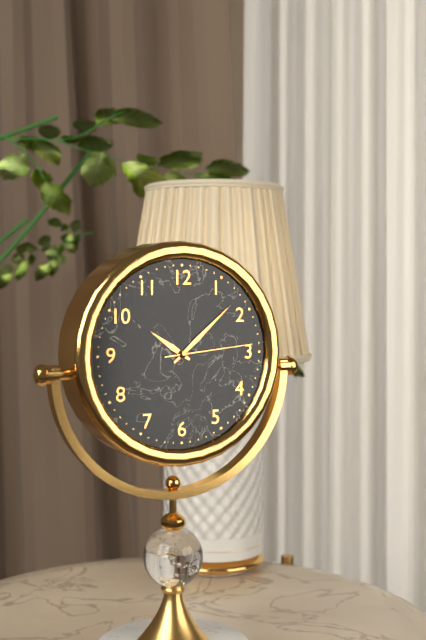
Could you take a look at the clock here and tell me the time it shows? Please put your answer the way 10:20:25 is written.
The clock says 10:08:14
